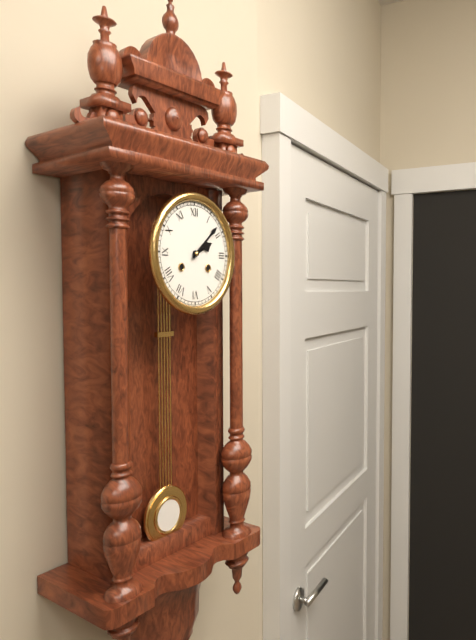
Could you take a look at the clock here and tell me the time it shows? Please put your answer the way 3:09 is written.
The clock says 2:08
